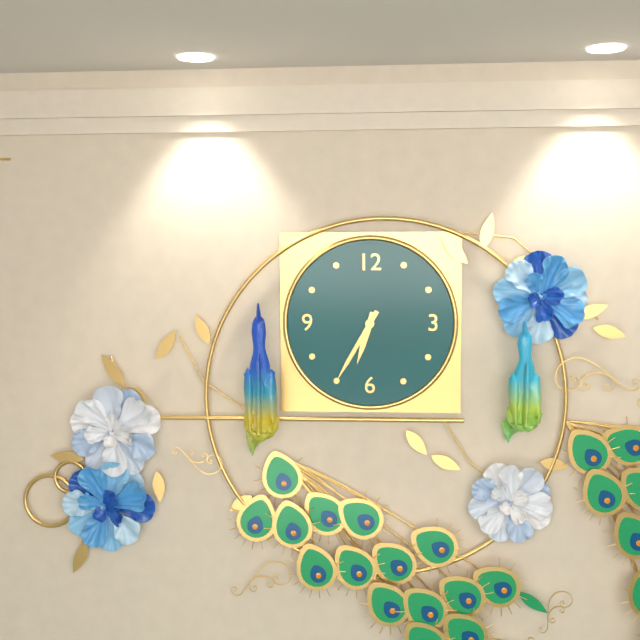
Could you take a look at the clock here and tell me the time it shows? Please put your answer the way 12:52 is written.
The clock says 6:35
